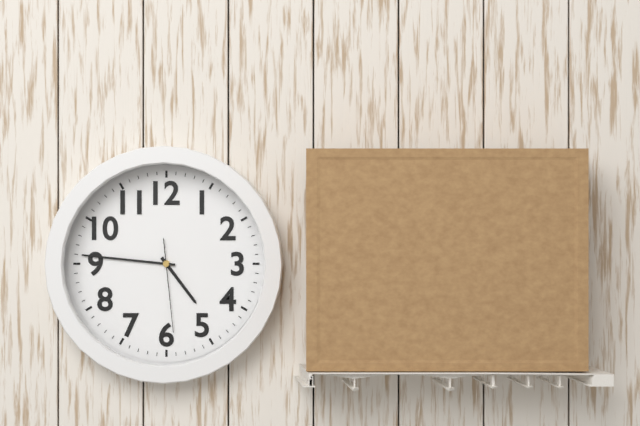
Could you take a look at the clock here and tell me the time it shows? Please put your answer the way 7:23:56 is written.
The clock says 4:46:29
